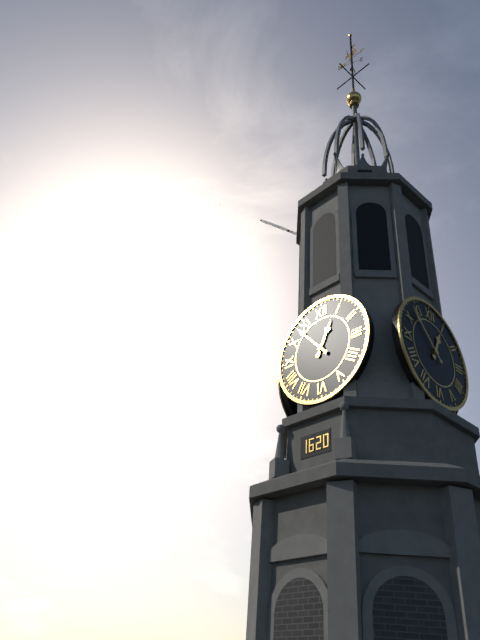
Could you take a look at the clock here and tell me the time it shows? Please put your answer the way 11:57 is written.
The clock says 12:53
